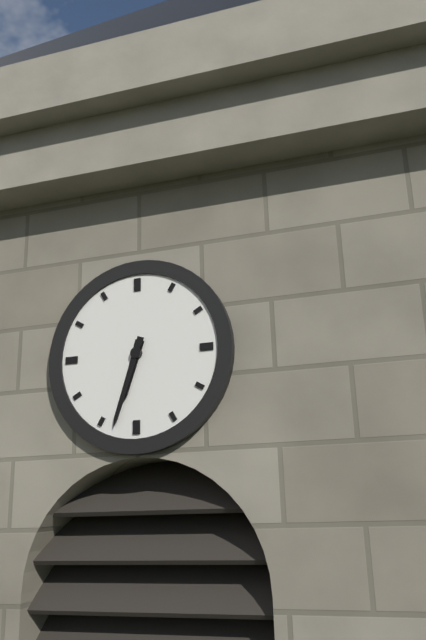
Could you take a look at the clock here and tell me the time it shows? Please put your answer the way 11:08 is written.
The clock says 6:33
